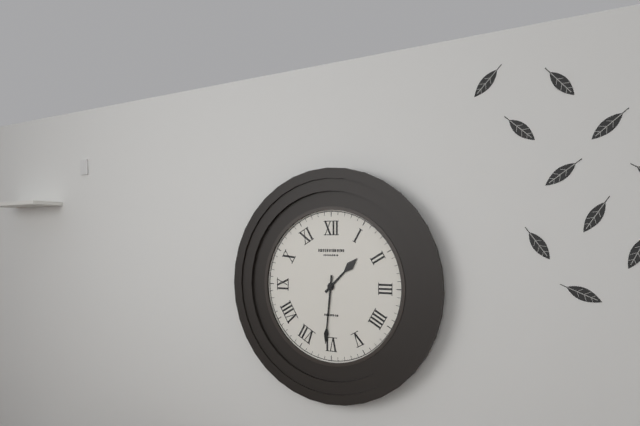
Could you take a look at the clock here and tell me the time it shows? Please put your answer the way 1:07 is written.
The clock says 1:31
